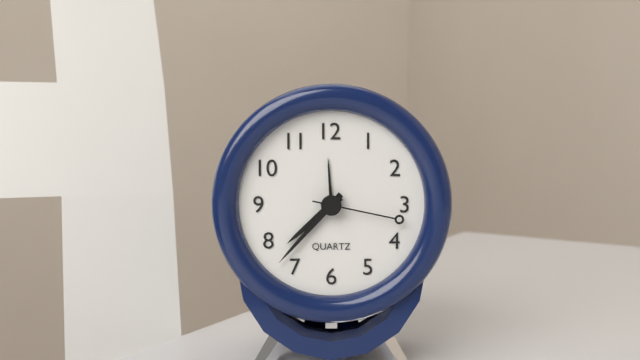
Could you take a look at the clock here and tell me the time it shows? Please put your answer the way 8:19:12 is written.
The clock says 7:37:17
